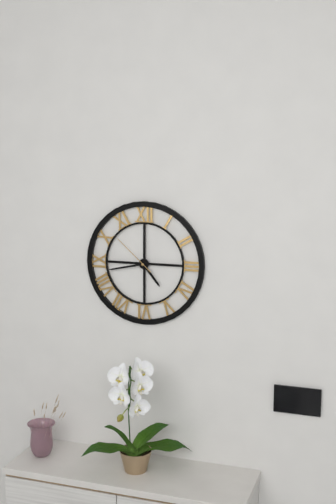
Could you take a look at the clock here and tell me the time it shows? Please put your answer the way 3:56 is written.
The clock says 4:43
